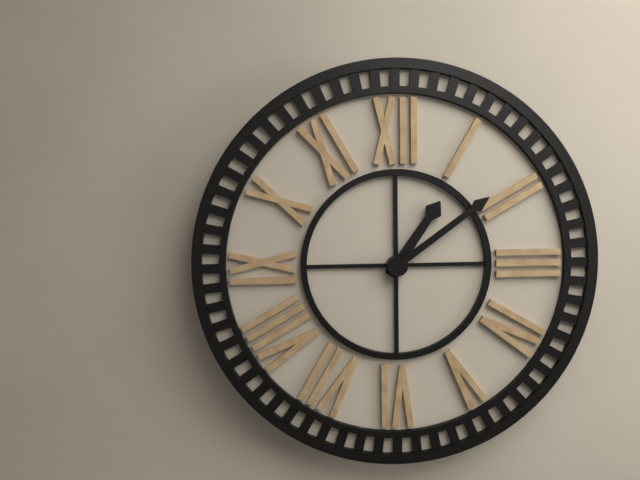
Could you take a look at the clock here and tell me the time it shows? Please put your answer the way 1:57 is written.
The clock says 1:09
